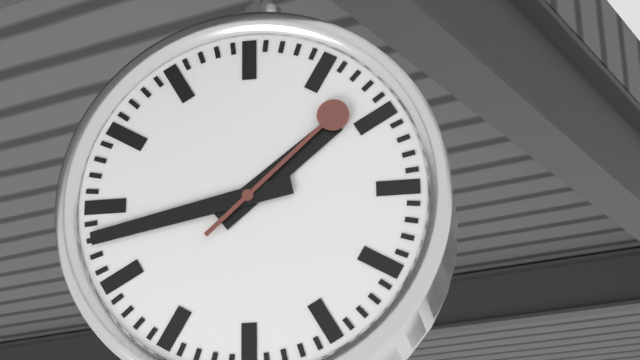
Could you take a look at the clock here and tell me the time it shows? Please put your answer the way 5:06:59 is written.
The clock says 1:43:08
